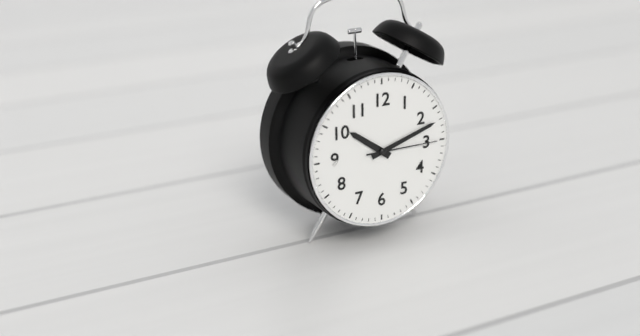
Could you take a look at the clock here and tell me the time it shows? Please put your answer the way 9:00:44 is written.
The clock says 10:12:15
